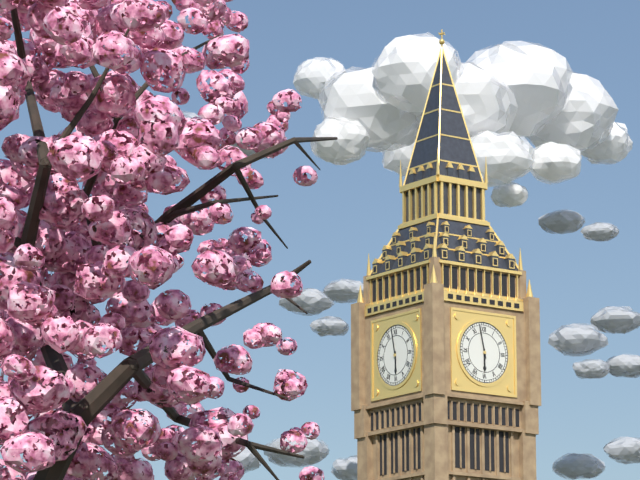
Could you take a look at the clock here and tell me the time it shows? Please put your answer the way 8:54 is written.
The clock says 5:58
